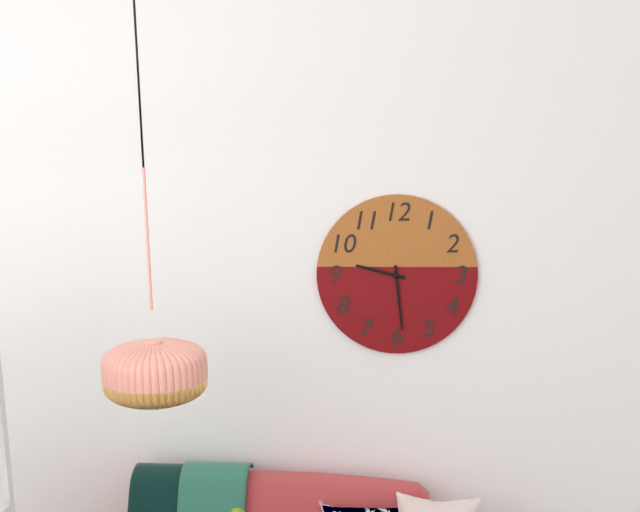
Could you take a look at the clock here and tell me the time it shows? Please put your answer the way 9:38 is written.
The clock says 9:29
